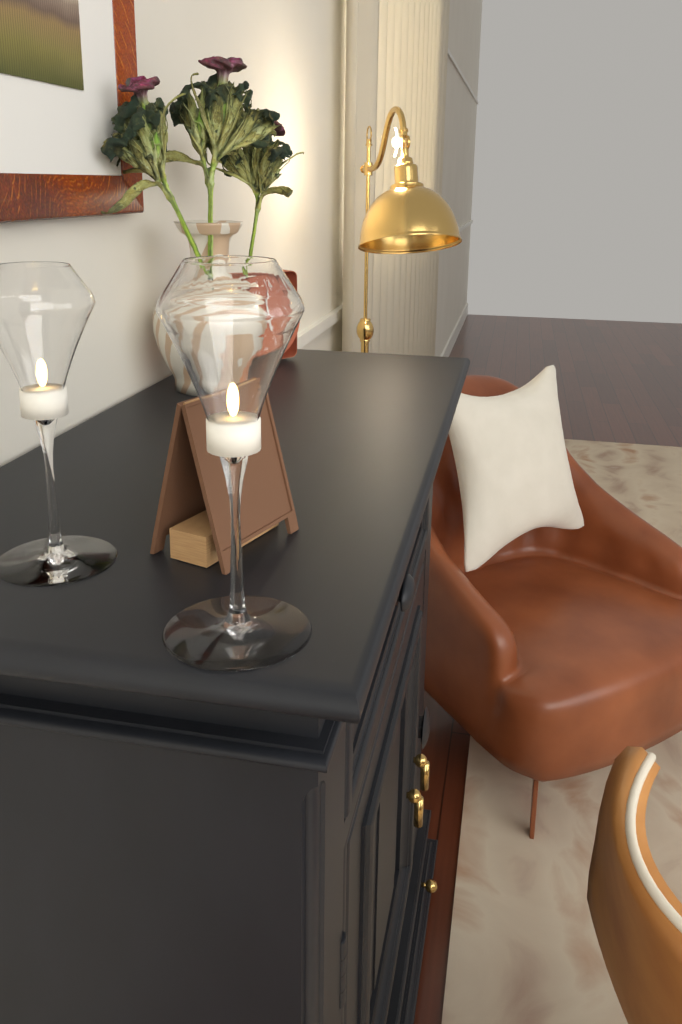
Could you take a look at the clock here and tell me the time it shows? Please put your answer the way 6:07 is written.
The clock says 4:59
